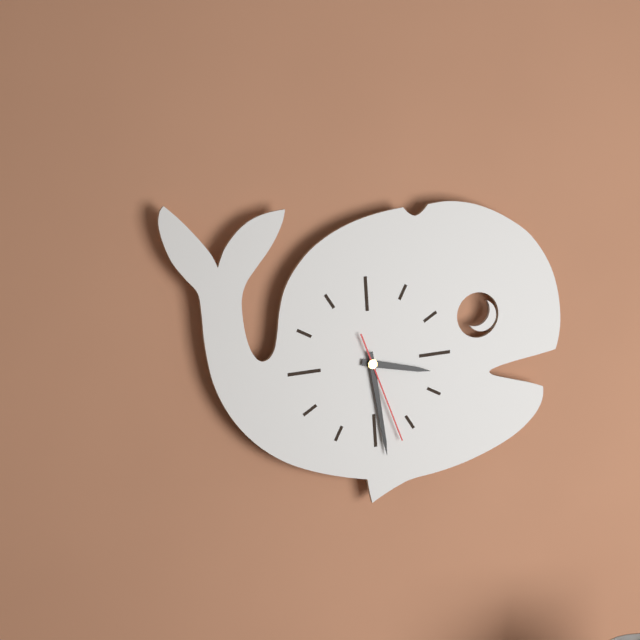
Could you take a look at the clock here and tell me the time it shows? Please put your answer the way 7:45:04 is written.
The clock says 3:29:27
